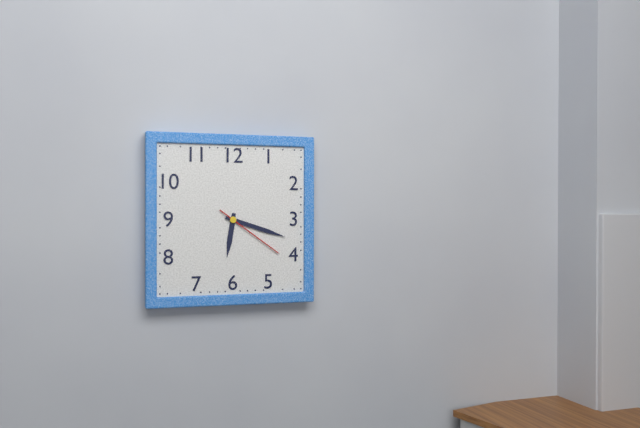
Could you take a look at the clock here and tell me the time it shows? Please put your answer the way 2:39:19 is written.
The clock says 6:18:21
